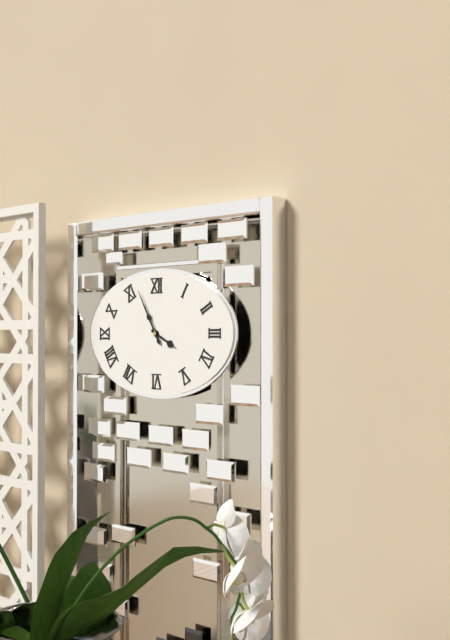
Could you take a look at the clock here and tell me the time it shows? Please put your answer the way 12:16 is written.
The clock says 3:55
